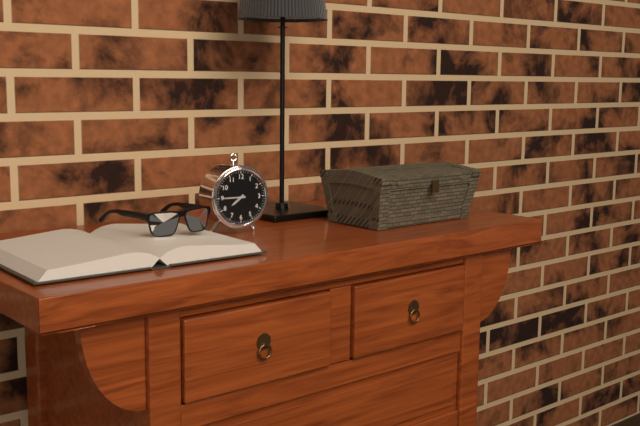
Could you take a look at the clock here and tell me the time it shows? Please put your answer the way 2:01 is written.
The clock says 7:45
